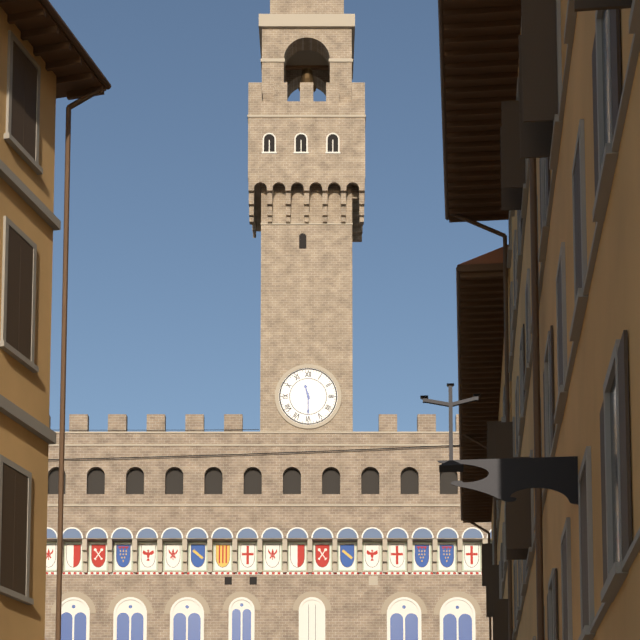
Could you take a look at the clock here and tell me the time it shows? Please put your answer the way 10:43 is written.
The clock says 11:30
